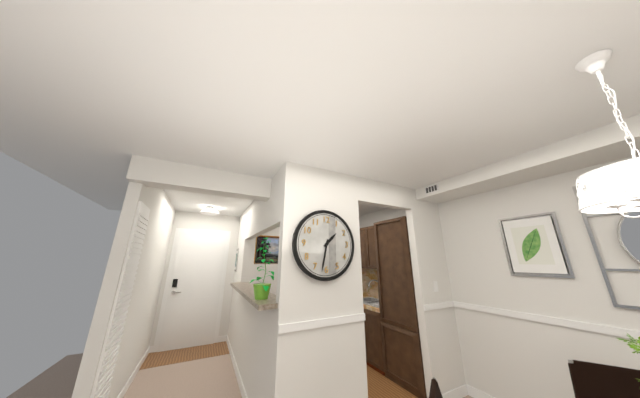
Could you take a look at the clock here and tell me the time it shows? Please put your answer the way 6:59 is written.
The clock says 1:32
